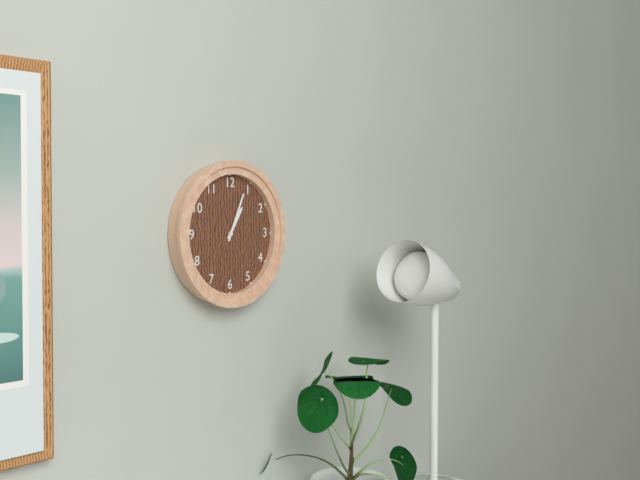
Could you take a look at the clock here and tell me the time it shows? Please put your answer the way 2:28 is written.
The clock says 1:04
